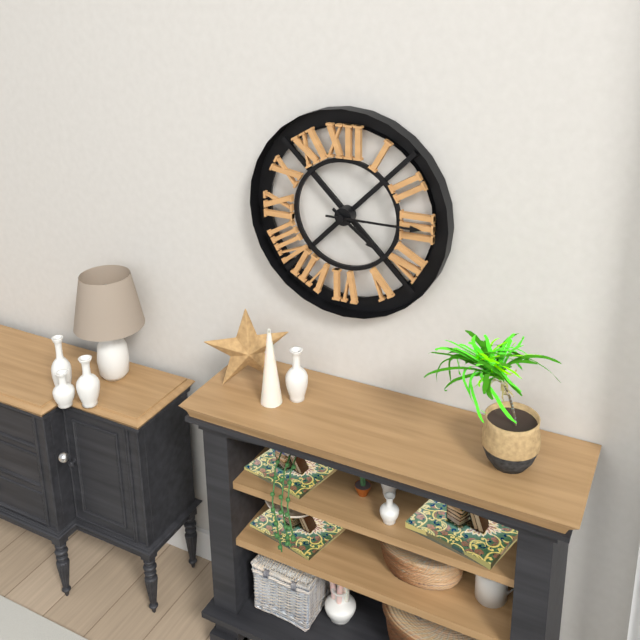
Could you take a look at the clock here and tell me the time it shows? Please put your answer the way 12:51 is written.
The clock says 4:15
